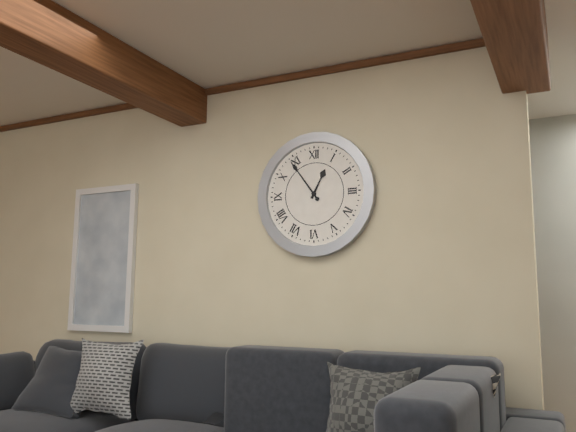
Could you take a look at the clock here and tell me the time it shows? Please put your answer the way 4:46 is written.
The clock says 12:54
